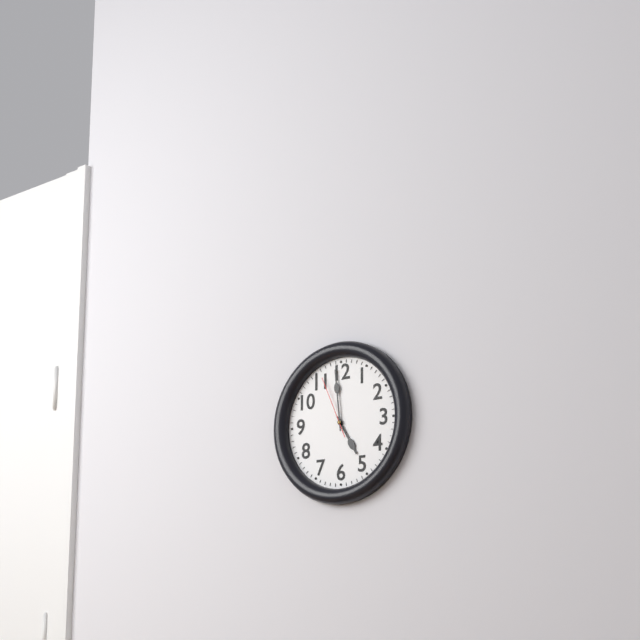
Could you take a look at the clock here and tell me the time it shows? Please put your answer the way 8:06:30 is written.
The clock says 4:59:56
